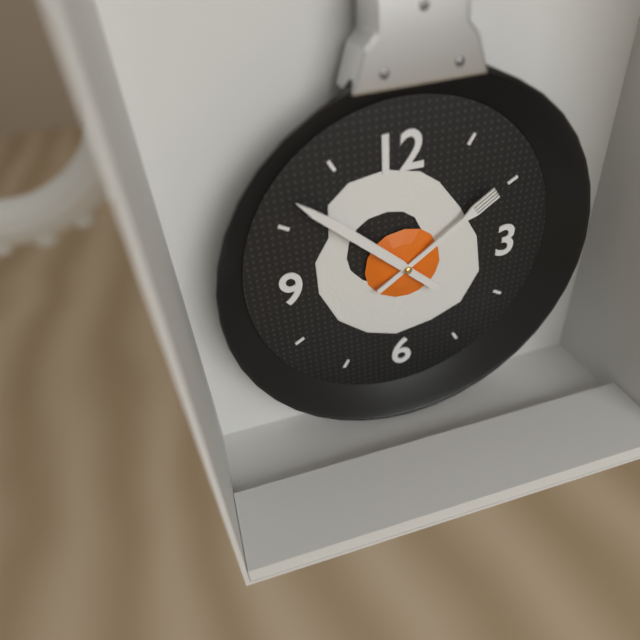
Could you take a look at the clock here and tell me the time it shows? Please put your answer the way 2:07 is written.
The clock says 1:52
